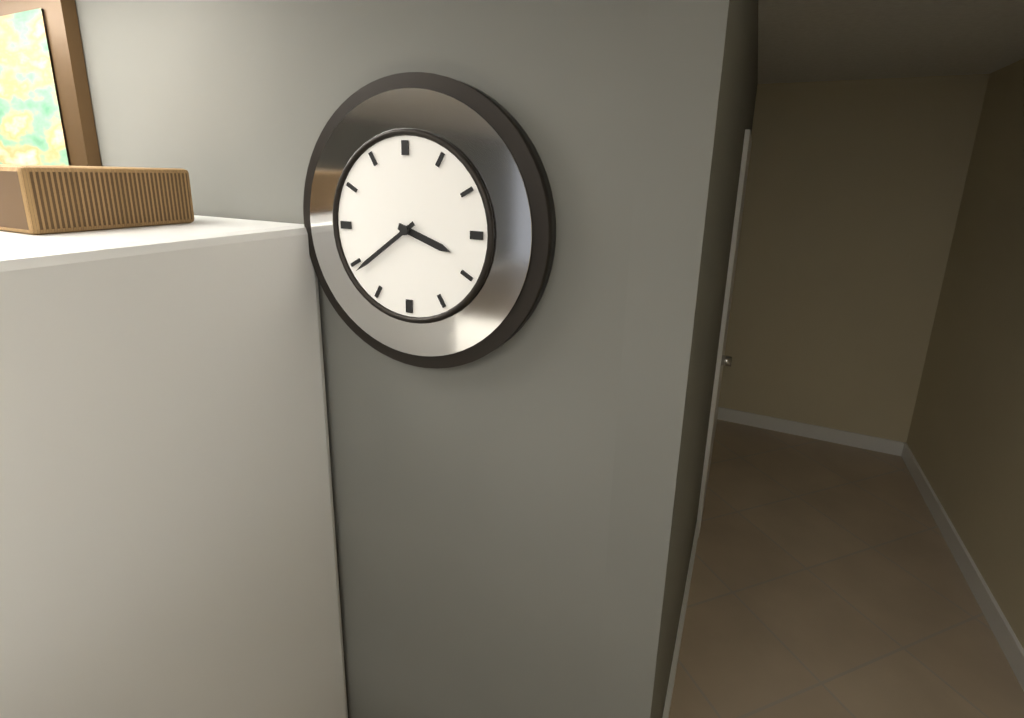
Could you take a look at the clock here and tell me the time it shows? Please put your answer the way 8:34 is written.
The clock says 3:39
